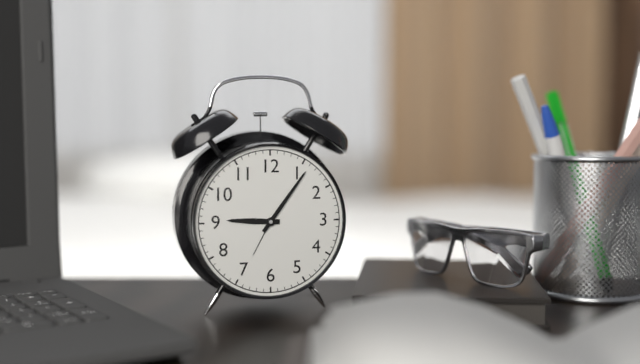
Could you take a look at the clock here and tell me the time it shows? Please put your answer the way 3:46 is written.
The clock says 9:06
